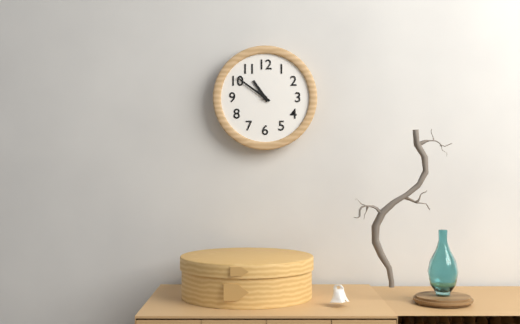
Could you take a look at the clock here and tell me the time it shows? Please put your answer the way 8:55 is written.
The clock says 10:51
